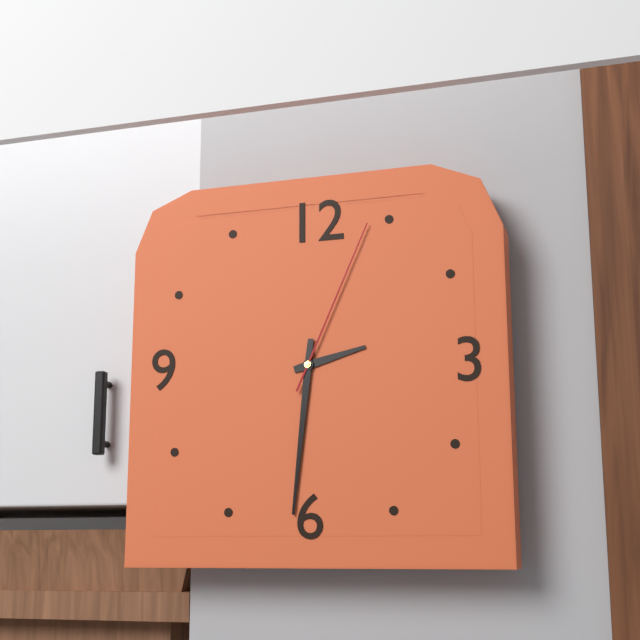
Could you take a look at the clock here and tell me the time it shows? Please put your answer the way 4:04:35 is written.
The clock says 2:31:04
